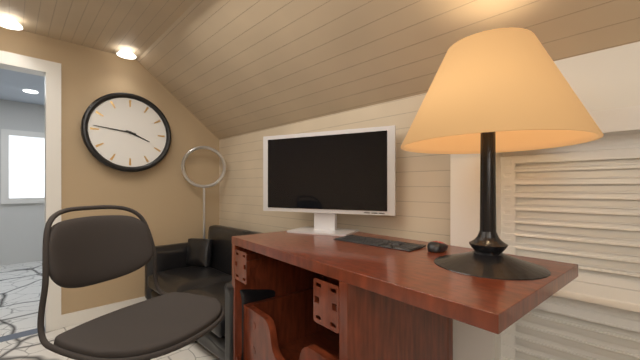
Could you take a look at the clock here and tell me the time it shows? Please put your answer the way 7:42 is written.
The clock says 3:46
